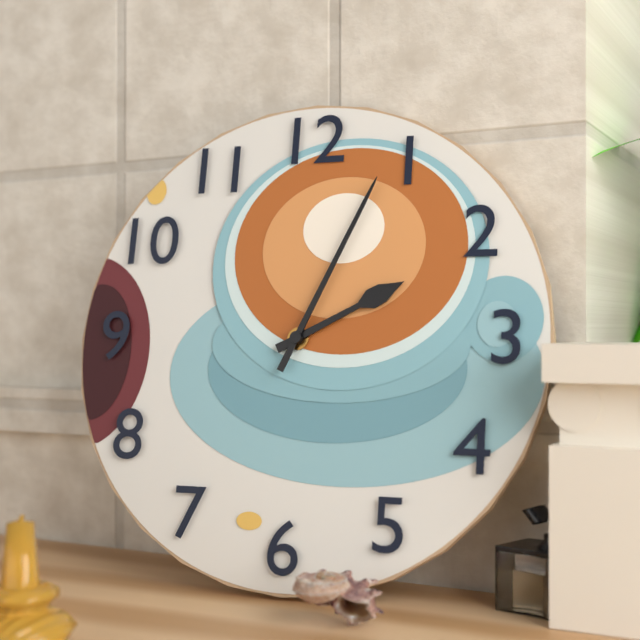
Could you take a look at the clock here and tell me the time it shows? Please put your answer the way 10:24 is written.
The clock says 2:04
